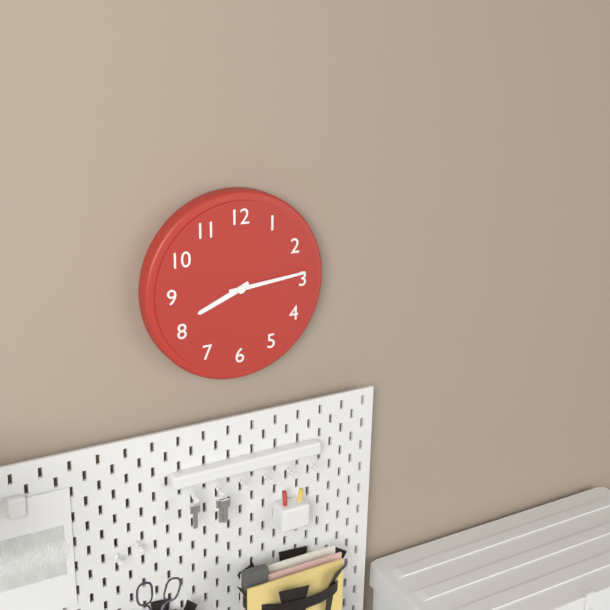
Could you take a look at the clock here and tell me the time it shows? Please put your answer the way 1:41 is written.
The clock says 8:14
